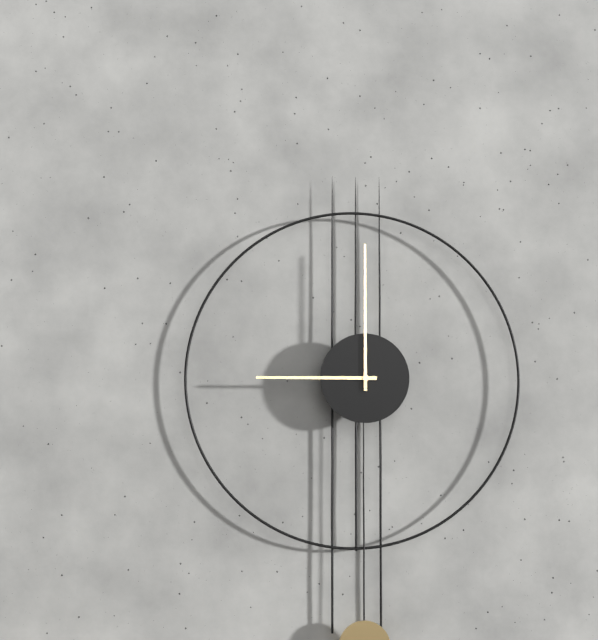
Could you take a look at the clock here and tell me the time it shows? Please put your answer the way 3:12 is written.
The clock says 9:00
